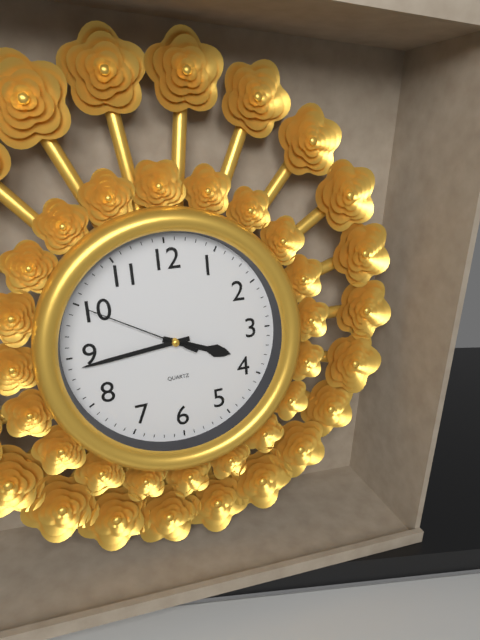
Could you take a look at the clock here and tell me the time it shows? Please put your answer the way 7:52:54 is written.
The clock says 3:44:50
